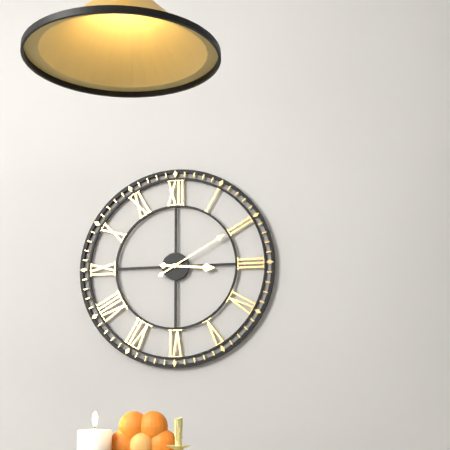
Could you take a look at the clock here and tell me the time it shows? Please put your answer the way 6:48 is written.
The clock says 3:10
